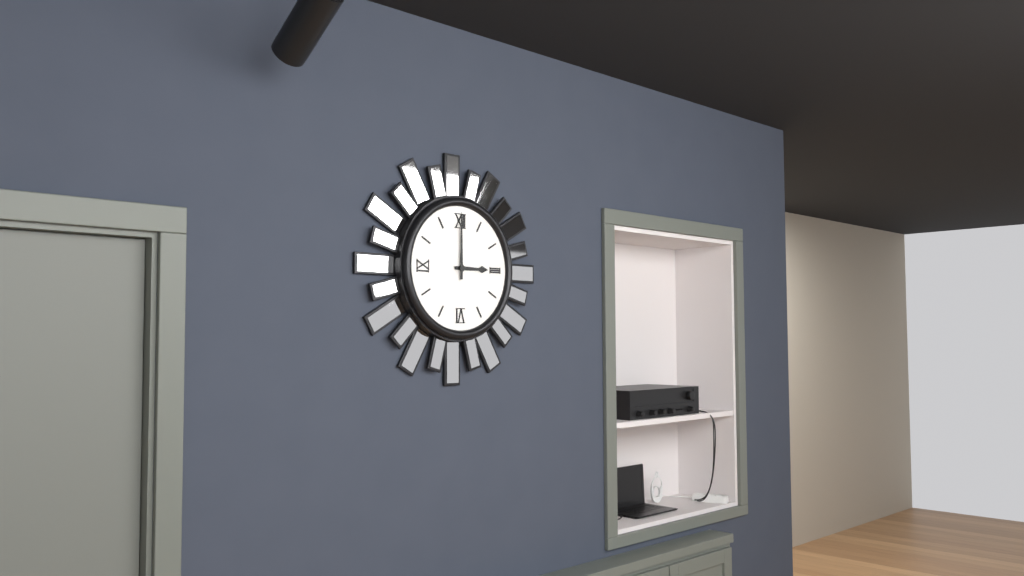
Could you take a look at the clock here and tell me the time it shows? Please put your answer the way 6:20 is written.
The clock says 3:00
